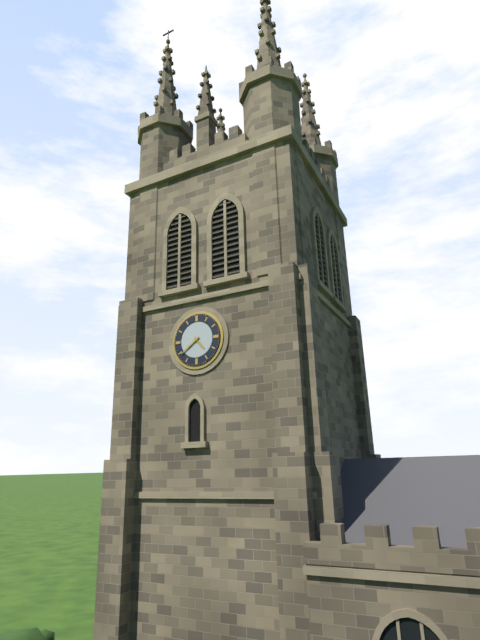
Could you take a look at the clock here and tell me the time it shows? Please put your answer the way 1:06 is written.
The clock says 4:39
